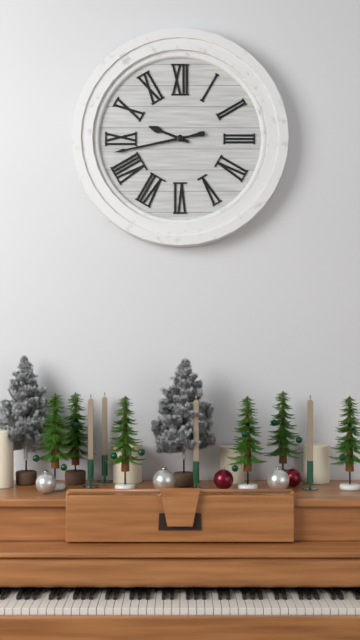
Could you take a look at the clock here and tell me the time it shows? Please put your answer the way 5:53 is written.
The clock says 9:43
